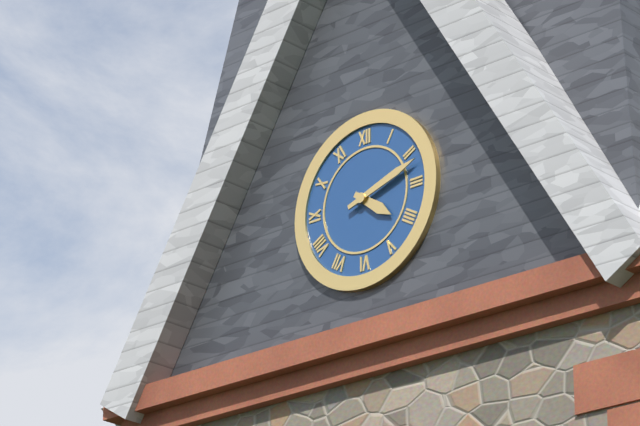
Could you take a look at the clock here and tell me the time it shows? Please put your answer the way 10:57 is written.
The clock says 4:12
